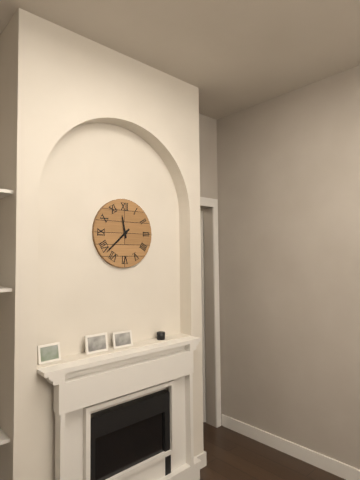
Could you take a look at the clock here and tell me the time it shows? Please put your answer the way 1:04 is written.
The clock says 11:38
